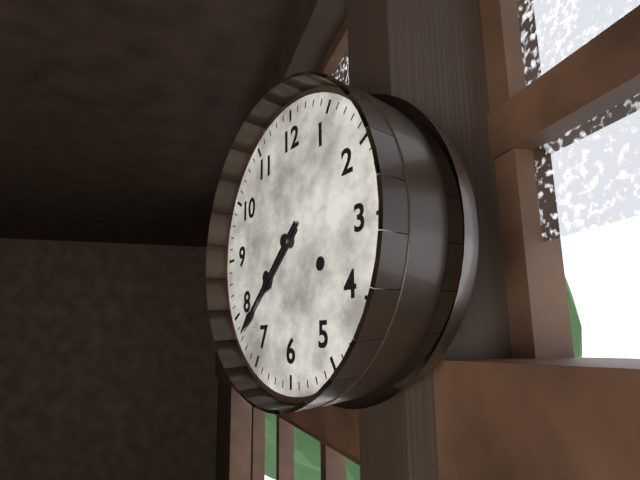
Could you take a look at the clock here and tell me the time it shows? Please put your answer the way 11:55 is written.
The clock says 7:38
